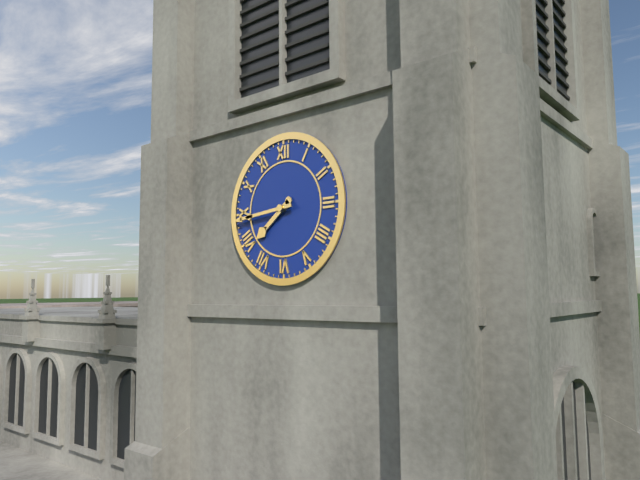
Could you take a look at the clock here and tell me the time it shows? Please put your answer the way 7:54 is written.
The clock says 7:44
